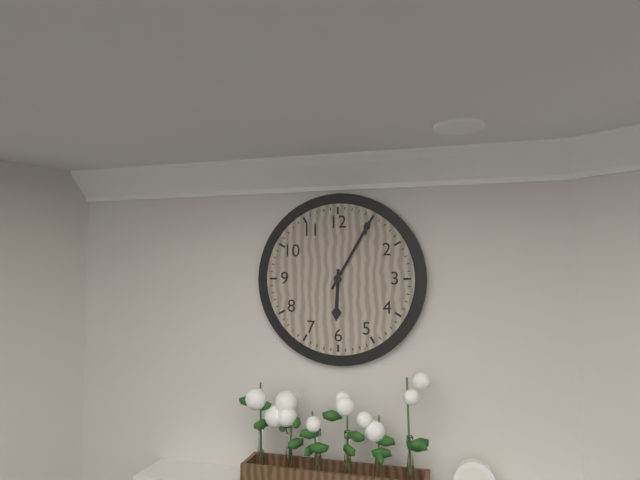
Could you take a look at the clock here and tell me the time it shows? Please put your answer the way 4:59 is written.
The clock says 6:05
